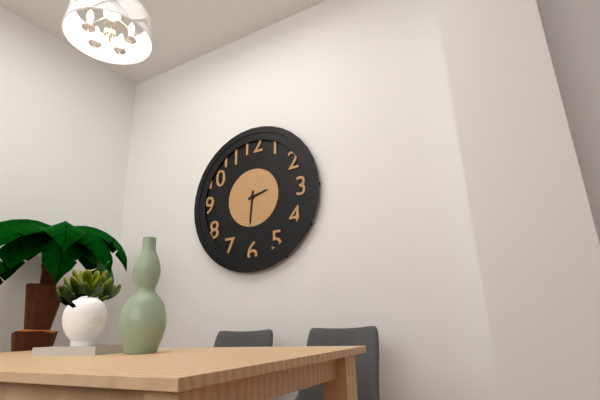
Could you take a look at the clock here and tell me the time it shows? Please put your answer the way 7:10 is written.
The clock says 2:31
